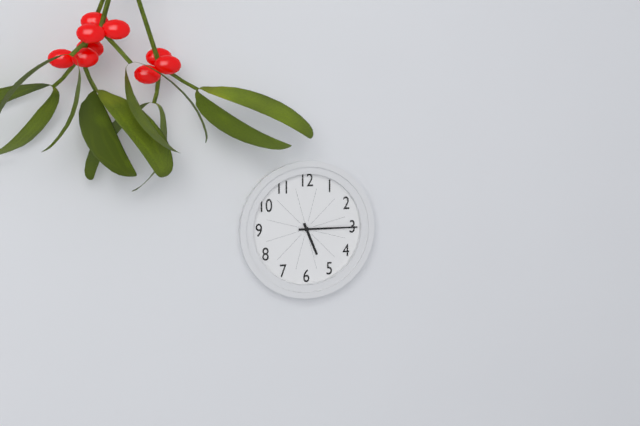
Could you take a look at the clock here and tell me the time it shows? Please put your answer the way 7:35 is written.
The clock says 5:15
